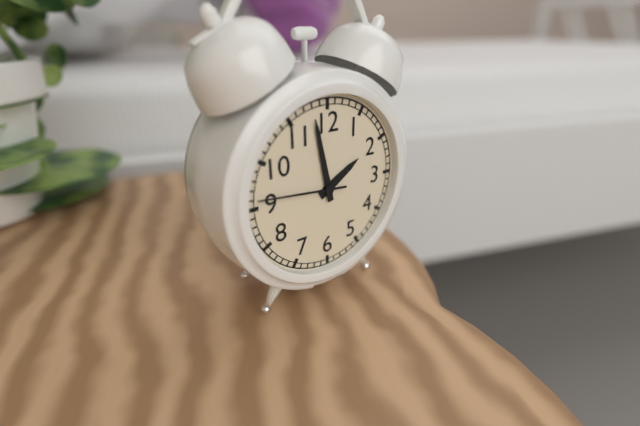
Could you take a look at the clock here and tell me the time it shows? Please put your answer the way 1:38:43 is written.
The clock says 1:58:46
